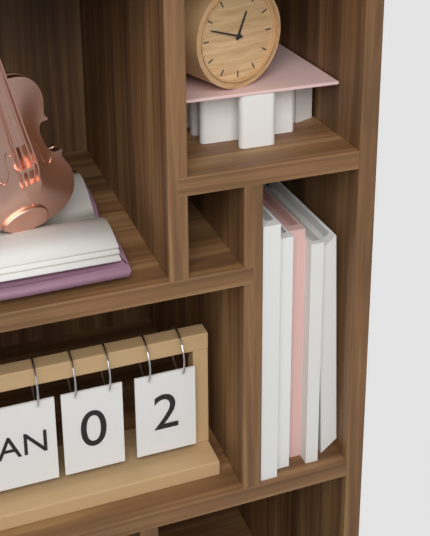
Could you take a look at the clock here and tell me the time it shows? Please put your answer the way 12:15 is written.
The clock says 12:48
